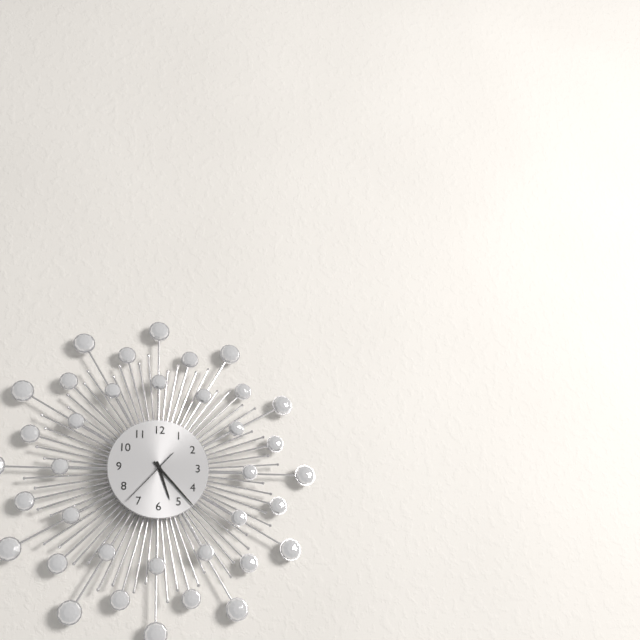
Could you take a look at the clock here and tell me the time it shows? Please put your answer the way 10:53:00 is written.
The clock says 5:23:37
